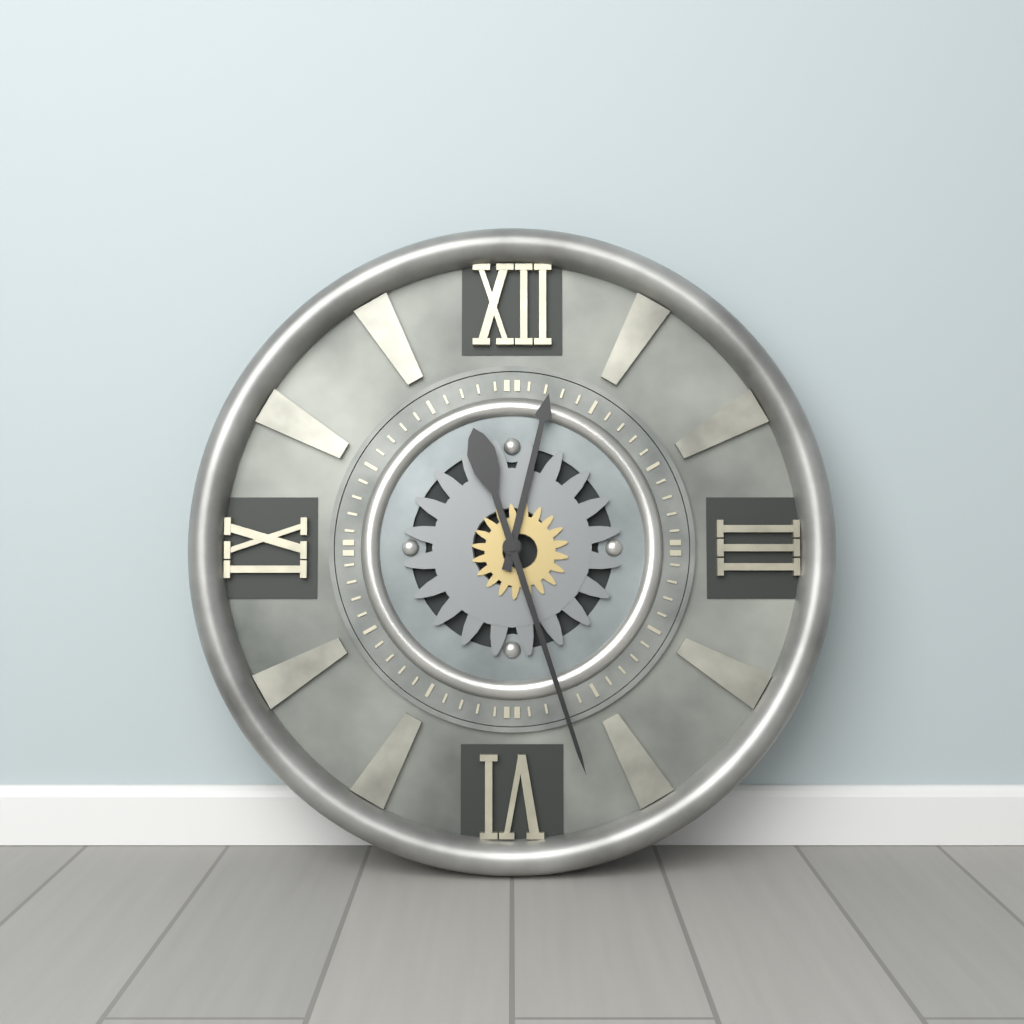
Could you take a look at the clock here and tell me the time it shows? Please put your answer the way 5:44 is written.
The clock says 12:27
